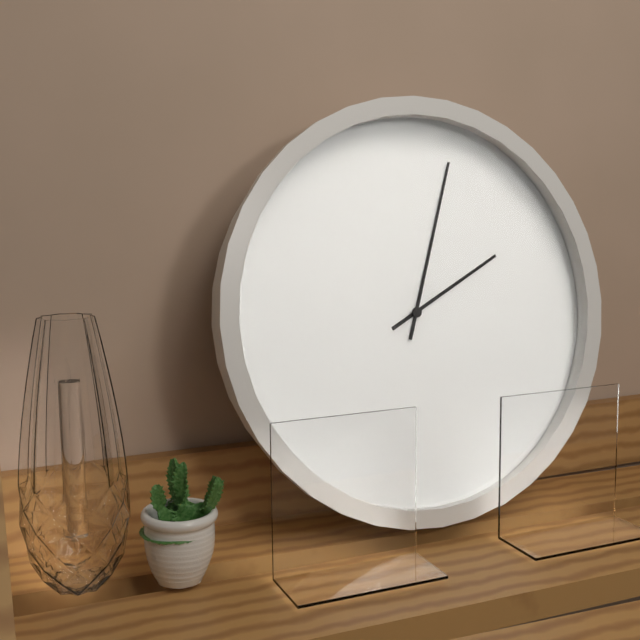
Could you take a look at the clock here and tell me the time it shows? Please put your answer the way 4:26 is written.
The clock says 2:03
